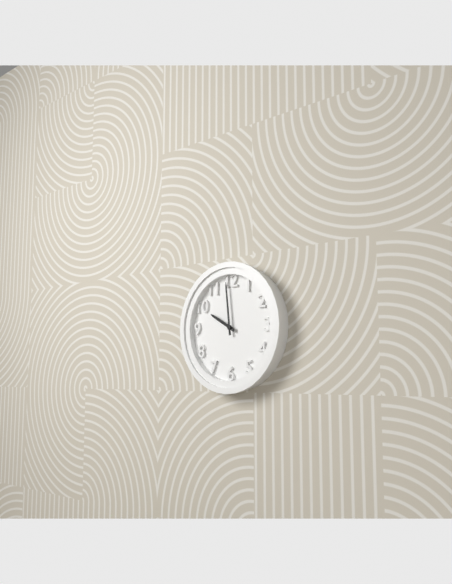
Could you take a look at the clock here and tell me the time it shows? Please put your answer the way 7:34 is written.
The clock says 9:59
